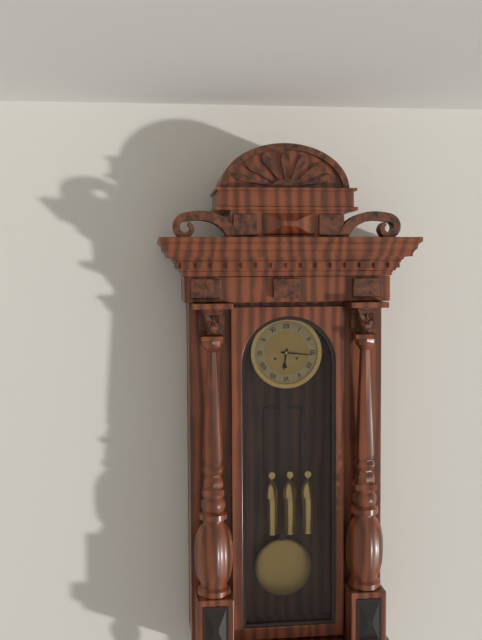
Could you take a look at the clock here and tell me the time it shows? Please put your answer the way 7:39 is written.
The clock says 6:16
